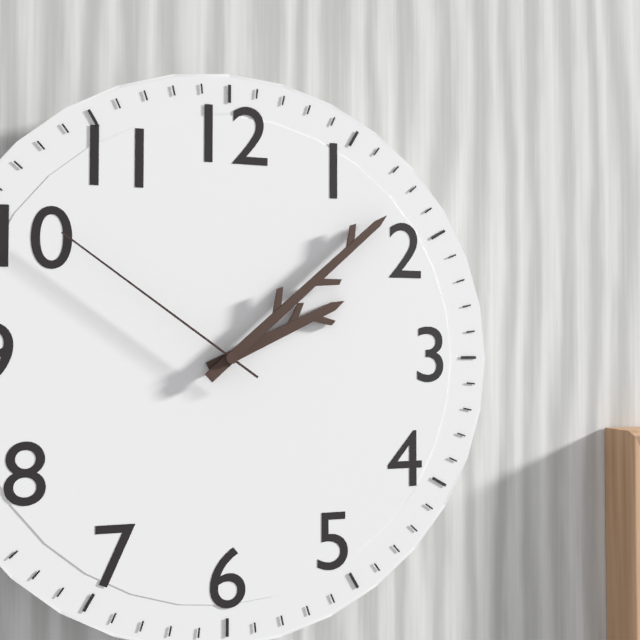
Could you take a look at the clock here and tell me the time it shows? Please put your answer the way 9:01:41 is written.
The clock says 2:08:51
